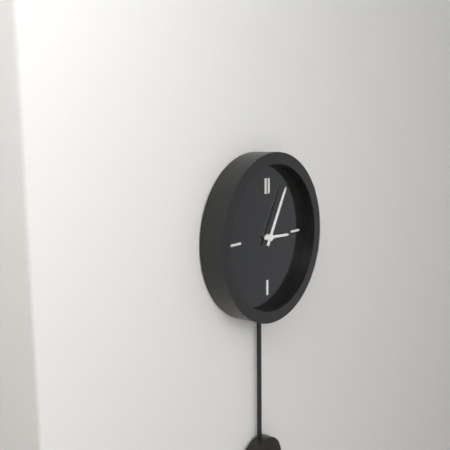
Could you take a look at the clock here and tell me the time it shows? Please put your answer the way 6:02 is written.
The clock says 3:05
